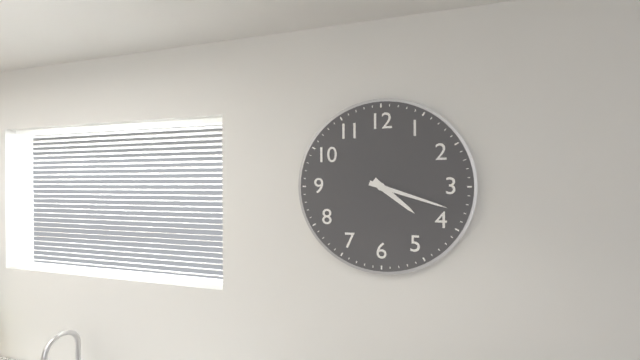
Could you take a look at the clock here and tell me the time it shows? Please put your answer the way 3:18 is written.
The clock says 4:18
